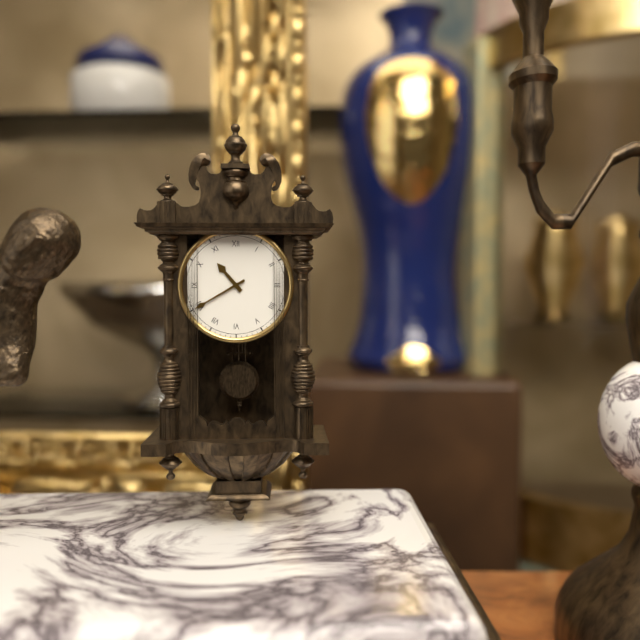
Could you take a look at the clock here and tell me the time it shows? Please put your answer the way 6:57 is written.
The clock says 10:40
